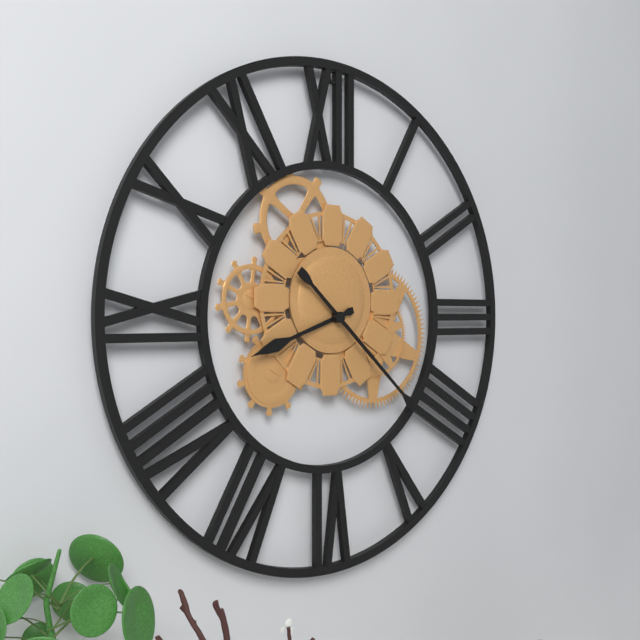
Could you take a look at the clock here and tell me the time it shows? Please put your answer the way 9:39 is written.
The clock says 8:22
